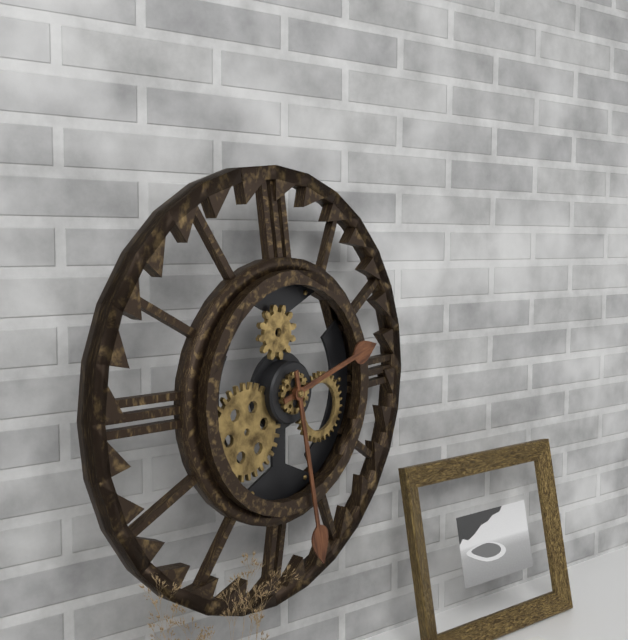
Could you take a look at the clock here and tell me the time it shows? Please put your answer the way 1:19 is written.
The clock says 2:28
